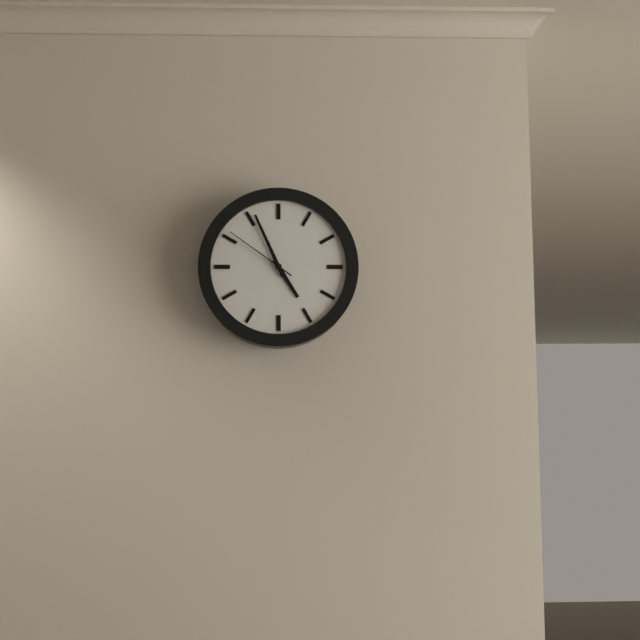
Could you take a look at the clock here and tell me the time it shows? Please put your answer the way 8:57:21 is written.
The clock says 4:56:51
